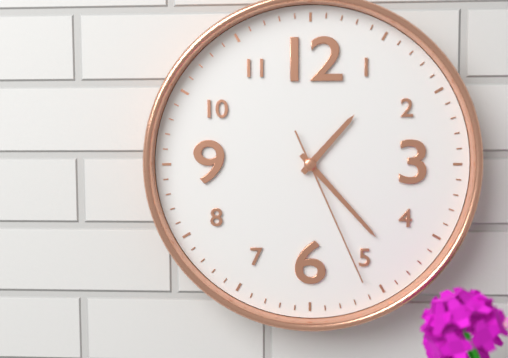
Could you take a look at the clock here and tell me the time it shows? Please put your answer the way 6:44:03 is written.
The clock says 1:23:26
